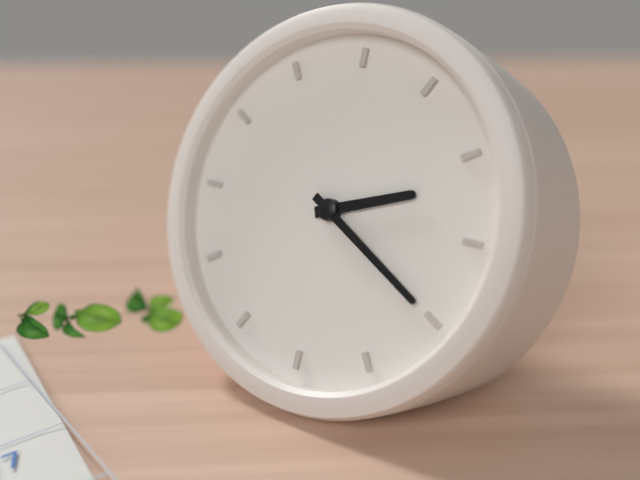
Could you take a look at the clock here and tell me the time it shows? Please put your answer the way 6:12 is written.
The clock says 2:20
